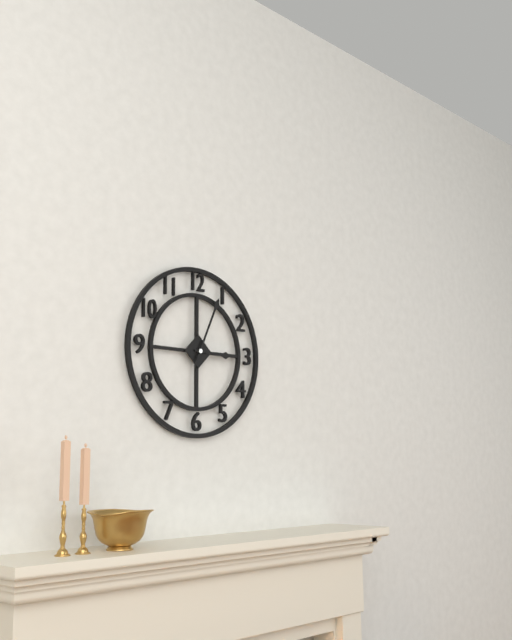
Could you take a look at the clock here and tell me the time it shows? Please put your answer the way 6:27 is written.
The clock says 3:04
